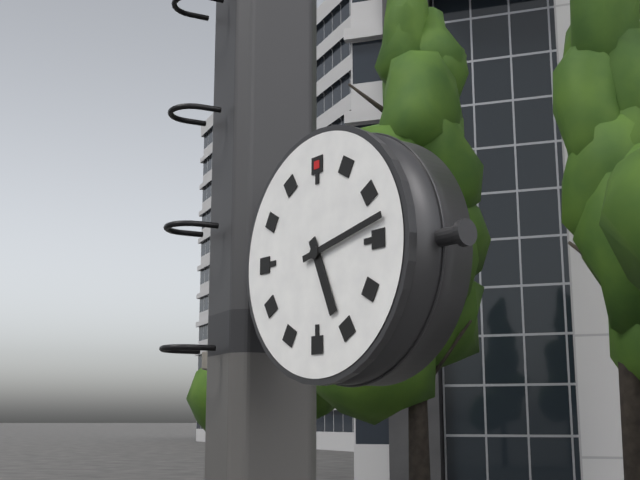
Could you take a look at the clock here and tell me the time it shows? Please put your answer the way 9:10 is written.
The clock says 5:13
